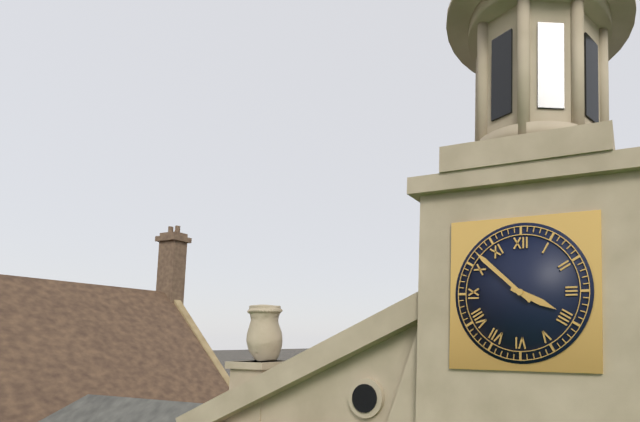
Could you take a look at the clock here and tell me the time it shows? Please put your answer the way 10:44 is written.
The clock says 3:52
